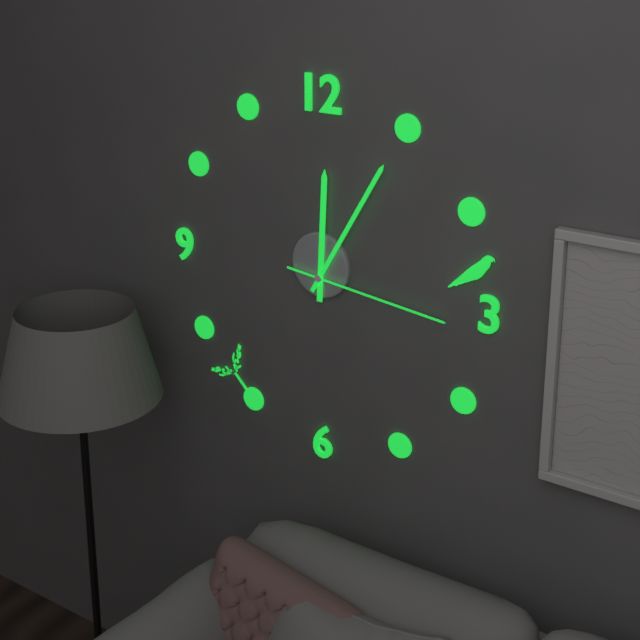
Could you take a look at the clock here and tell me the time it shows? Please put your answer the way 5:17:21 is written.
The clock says 12:05:16
